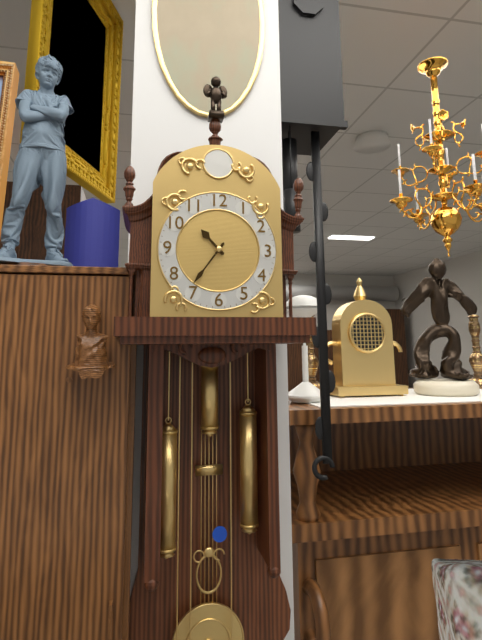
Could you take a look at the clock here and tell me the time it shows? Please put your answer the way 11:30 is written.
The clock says 10:36
